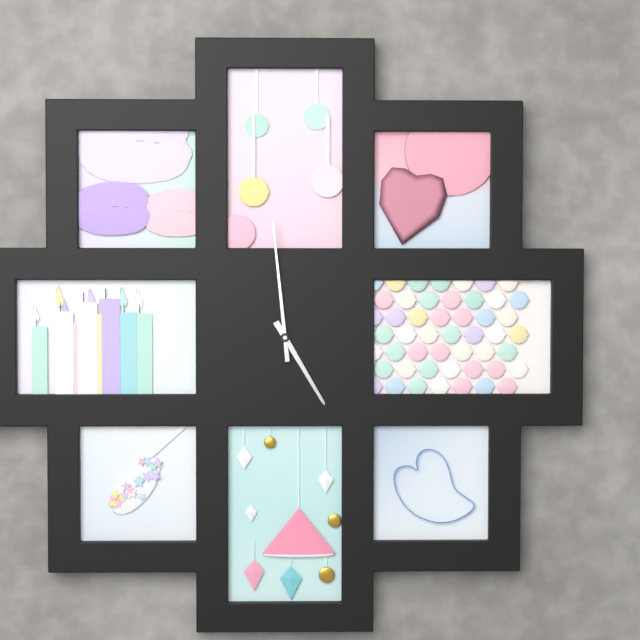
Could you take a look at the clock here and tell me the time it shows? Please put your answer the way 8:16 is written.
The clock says 4:59
